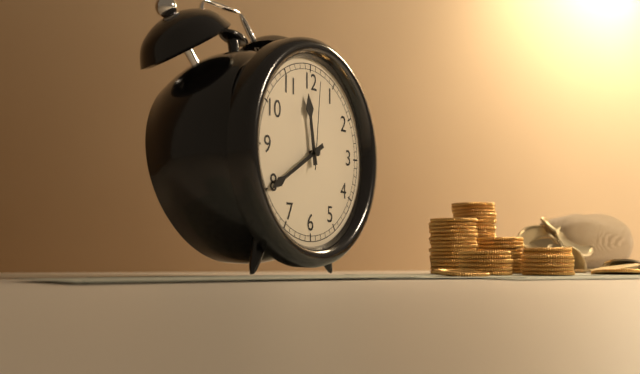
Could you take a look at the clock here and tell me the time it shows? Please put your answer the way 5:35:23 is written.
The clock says 11:40:01
